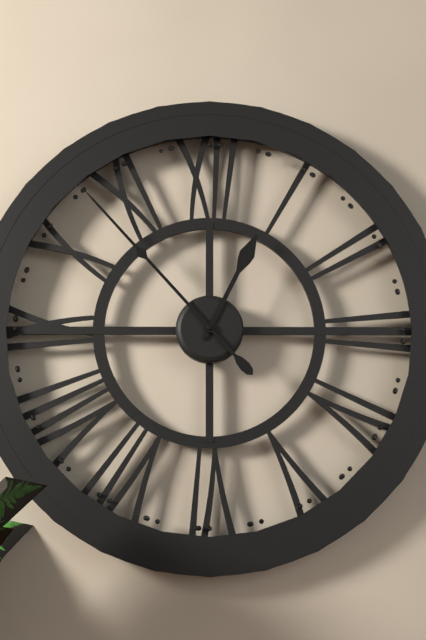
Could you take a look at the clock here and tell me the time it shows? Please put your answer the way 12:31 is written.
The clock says 12:53
